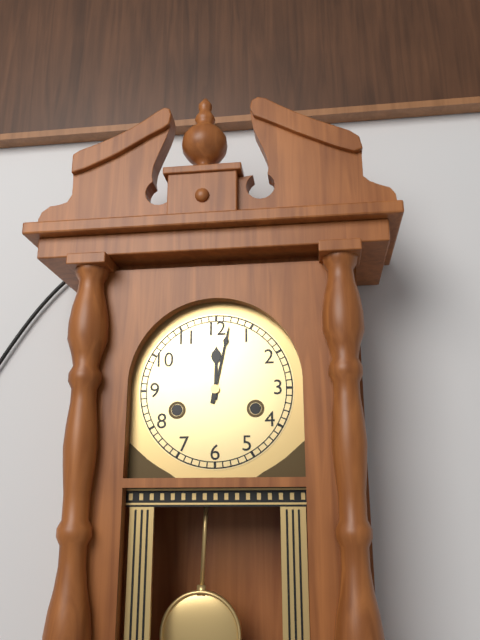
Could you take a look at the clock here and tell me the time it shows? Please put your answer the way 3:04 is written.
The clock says 12:02
